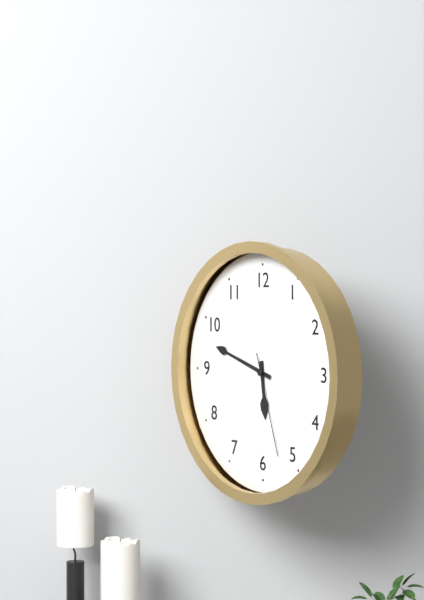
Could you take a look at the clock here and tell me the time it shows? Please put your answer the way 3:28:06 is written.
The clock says 5:48:27
